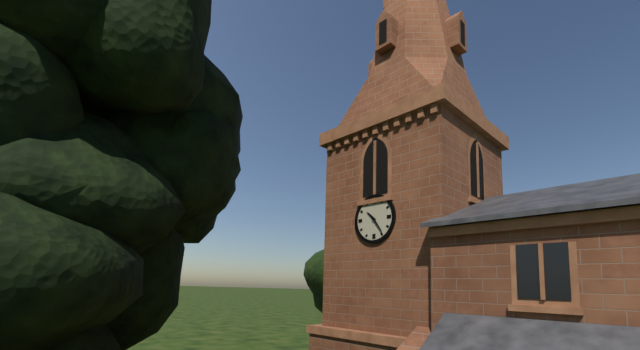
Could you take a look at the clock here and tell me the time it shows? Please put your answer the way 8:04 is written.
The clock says 10:24
